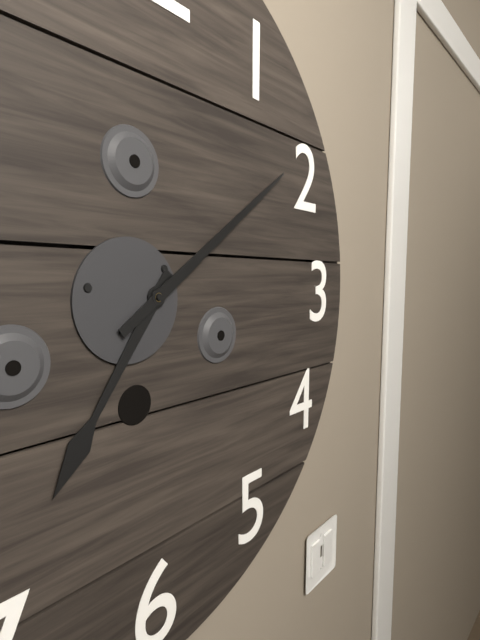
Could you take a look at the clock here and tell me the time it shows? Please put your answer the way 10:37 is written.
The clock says 7:09
